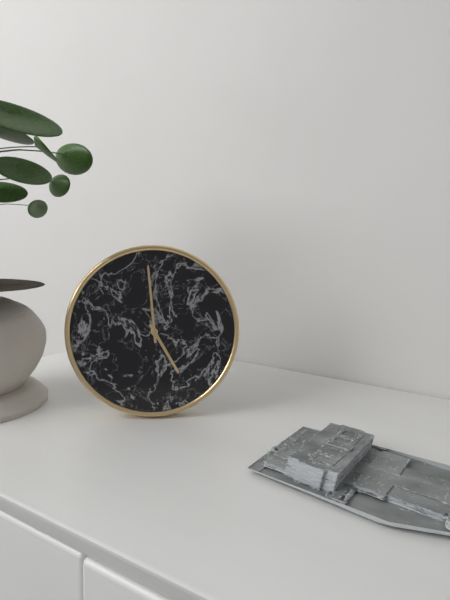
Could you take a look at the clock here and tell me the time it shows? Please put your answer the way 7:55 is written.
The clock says 4:59
